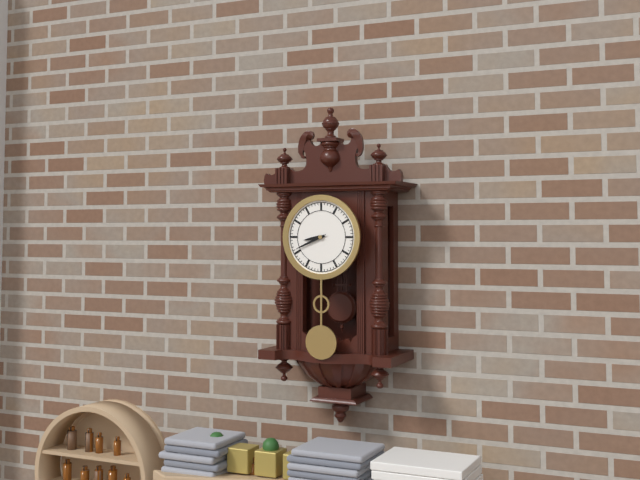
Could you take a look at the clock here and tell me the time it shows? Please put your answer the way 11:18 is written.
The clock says 8:41
